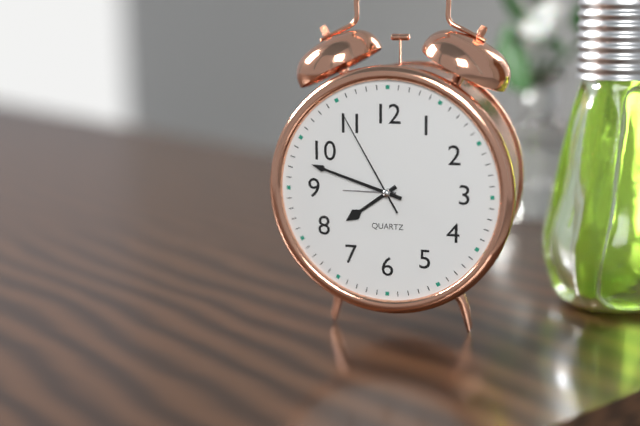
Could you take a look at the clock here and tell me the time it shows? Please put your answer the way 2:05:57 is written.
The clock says 7:48:55
